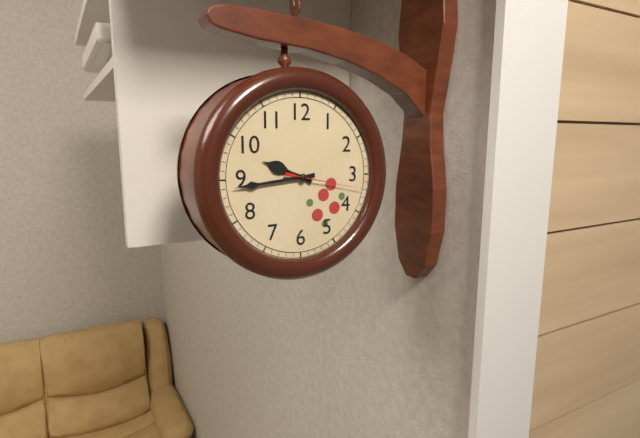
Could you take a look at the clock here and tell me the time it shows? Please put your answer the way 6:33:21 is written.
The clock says 9:44:17
